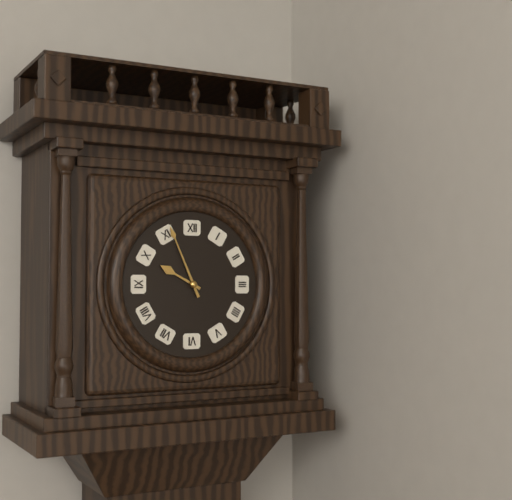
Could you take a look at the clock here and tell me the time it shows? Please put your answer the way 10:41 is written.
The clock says 9:56
